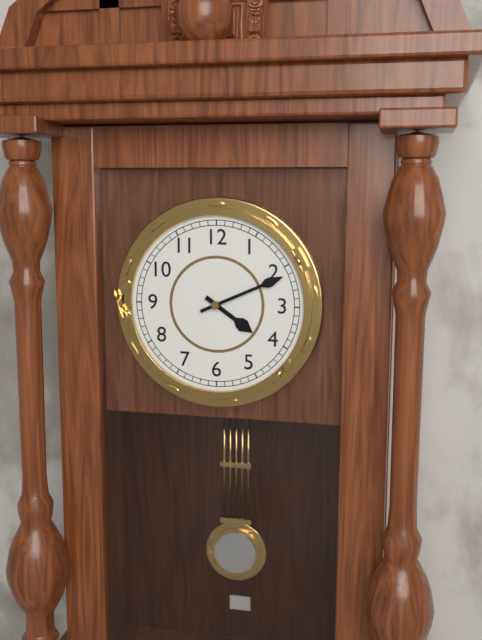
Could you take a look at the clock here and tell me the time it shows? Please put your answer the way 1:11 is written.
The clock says 4:11
